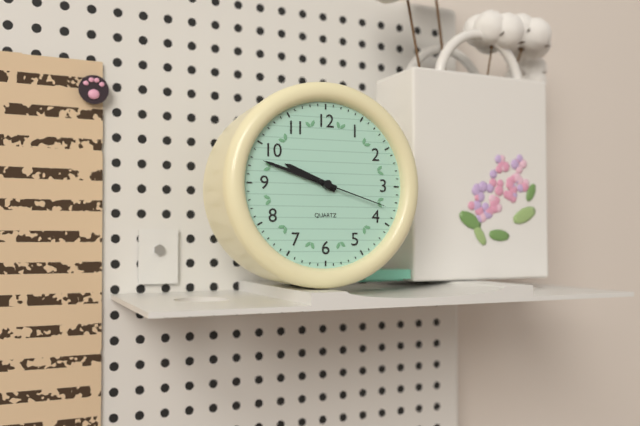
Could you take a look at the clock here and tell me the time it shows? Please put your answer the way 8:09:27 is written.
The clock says 9:48:18
